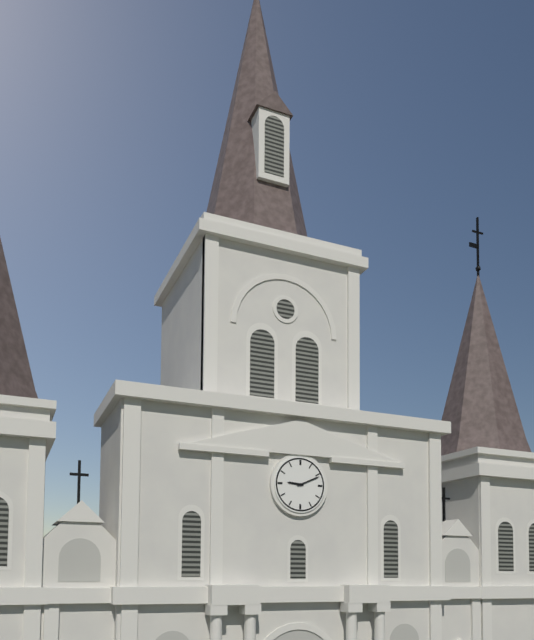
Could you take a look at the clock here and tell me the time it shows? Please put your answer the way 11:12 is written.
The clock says 9:11
